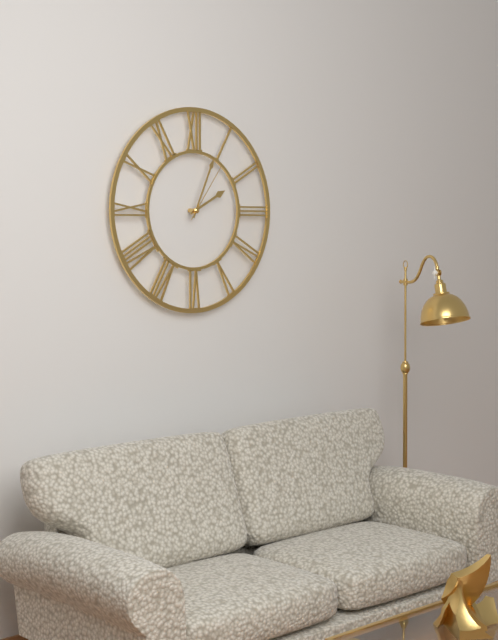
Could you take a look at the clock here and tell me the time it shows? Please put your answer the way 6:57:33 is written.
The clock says 2:04:06
